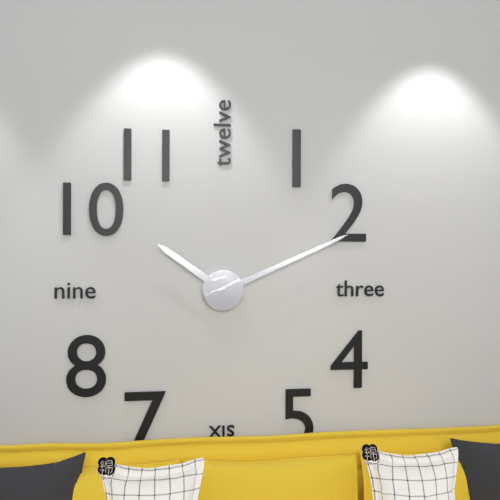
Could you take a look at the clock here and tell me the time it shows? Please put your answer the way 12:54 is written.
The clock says 10:11
